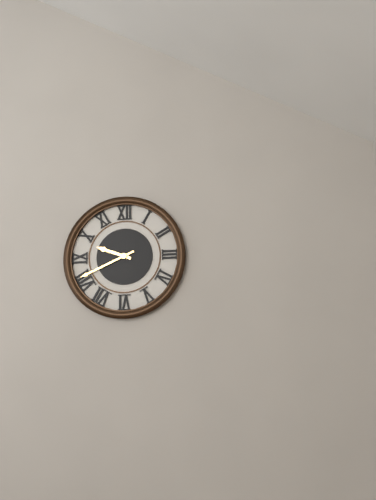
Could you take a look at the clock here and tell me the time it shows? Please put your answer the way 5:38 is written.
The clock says 9:41
